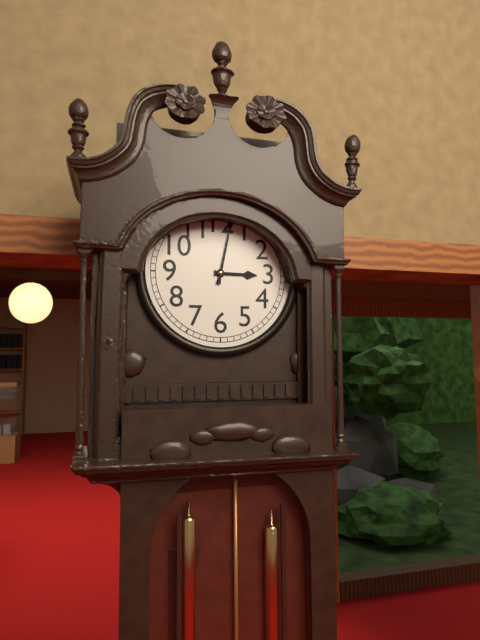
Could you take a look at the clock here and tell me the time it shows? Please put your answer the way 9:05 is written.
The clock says 3:02
